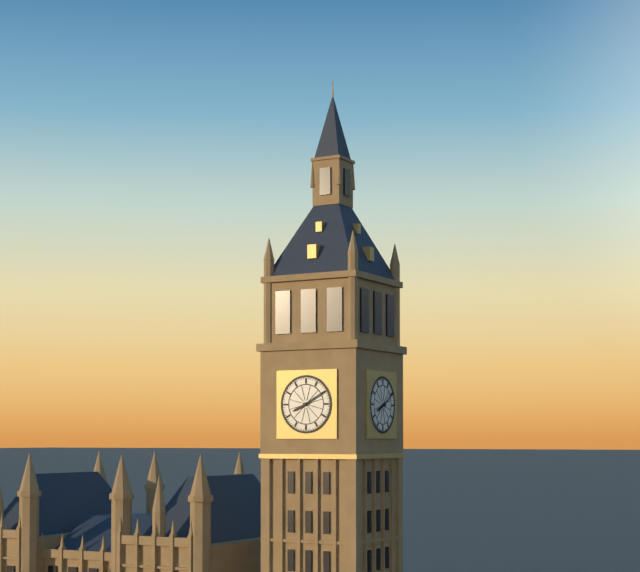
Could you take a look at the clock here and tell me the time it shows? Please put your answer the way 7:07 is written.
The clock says 8:10
